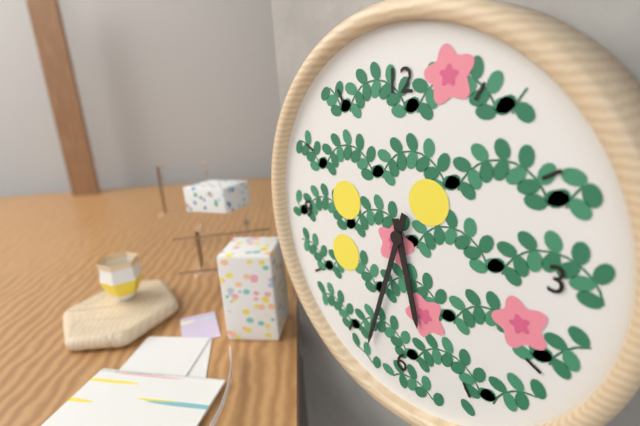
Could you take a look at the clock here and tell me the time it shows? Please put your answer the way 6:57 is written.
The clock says 5:33
